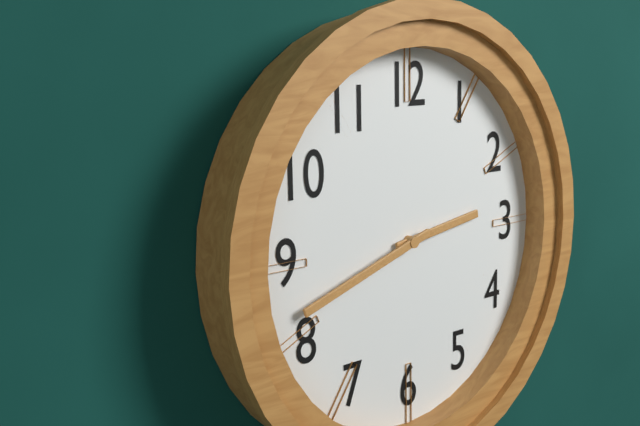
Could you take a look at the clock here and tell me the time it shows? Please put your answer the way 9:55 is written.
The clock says 2:42
